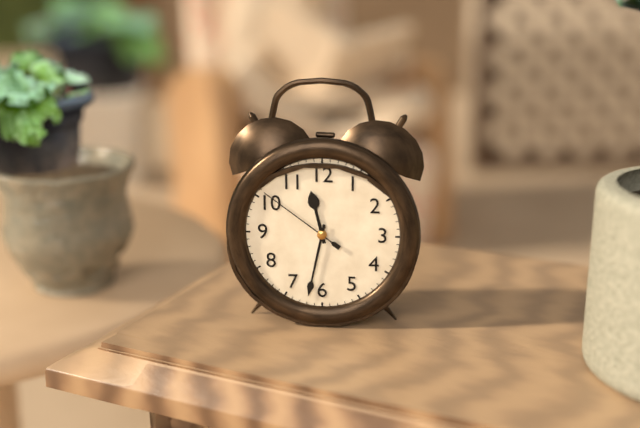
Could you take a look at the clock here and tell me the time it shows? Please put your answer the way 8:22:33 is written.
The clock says 11:32:51
